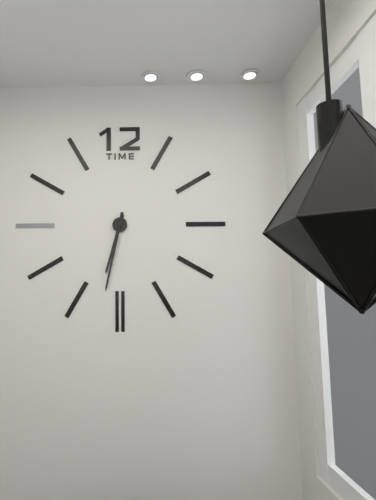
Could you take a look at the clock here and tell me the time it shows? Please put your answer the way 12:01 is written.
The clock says 6:32
